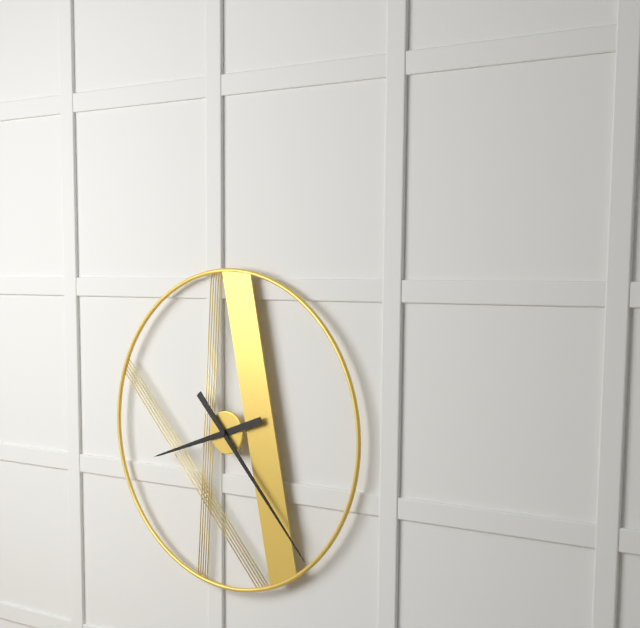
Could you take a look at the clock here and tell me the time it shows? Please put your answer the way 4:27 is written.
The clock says 8:23
